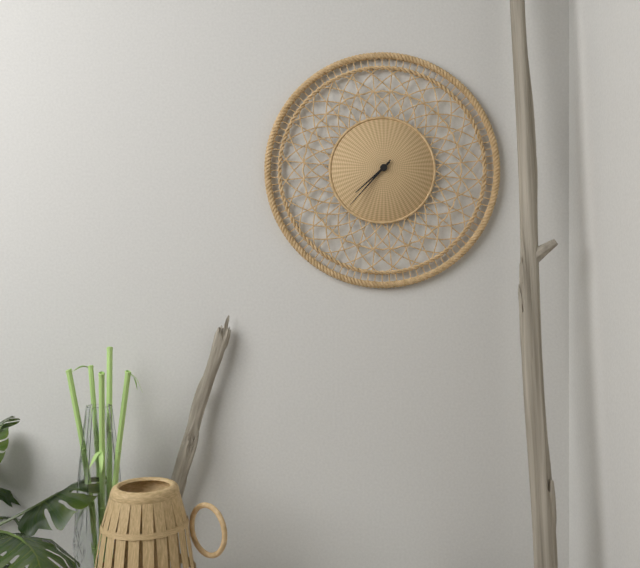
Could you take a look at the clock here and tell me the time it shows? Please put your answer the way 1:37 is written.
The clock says 7:37
